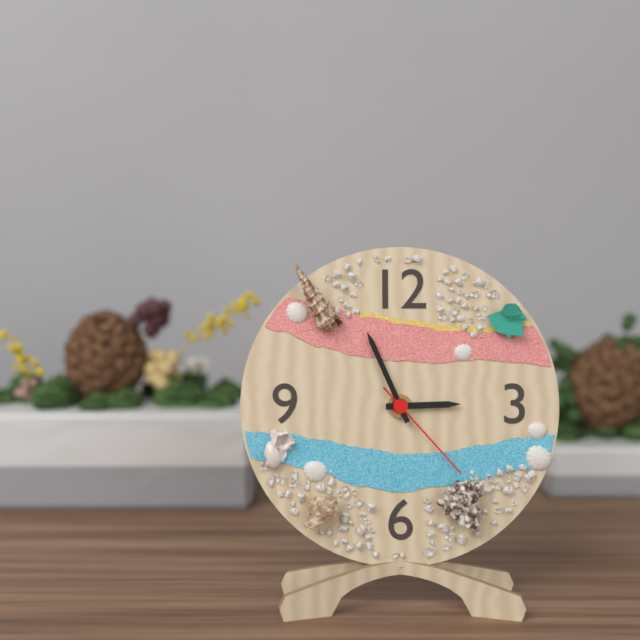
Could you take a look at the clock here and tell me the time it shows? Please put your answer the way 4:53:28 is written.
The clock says 2:56:23
